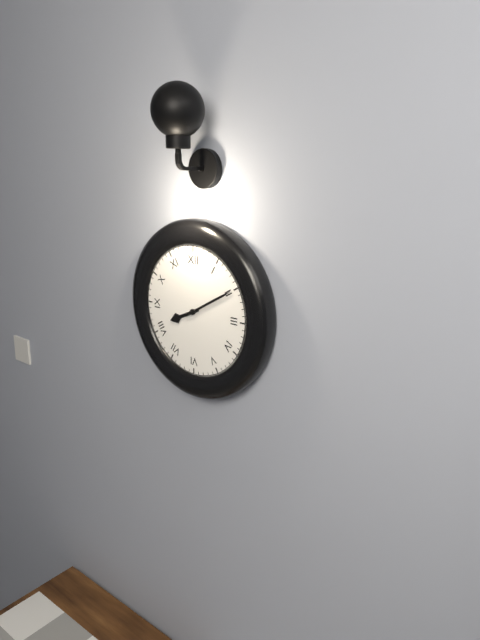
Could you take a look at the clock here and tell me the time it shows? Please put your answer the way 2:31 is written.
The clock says 8:10
